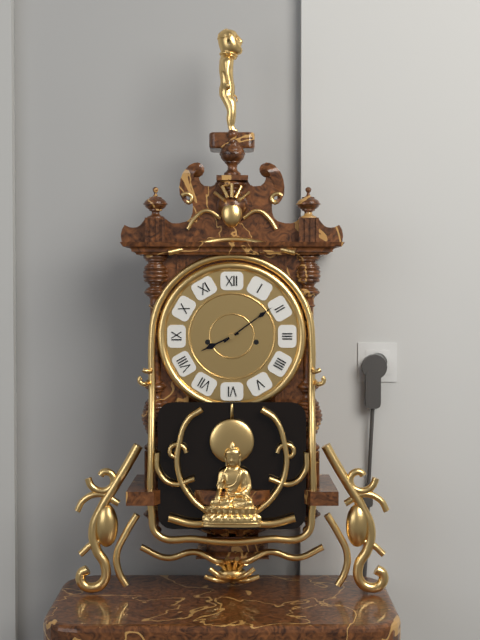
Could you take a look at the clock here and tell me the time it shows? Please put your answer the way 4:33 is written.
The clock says 8:09
